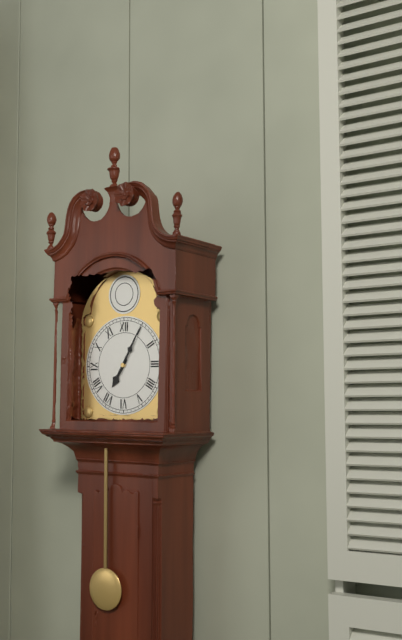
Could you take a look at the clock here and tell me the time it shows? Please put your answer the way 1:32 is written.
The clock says 7:05
